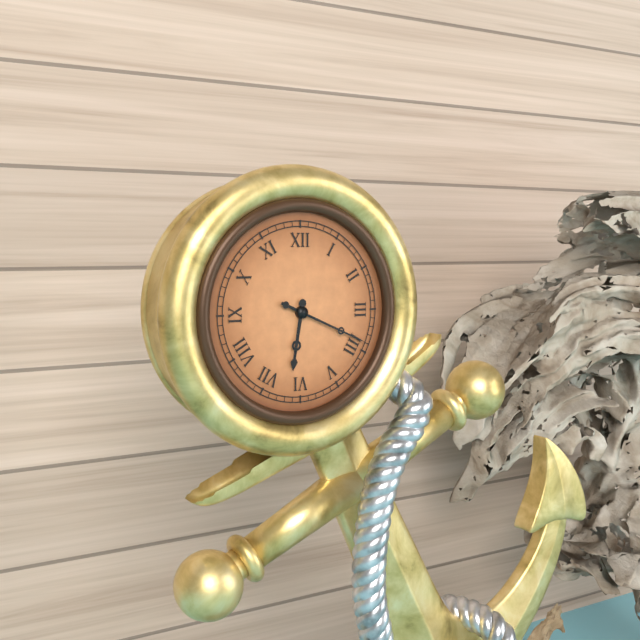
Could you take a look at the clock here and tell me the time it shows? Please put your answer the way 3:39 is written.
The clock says 6:19
